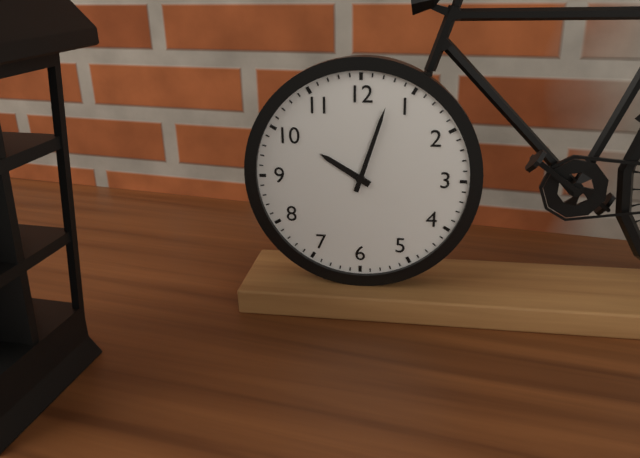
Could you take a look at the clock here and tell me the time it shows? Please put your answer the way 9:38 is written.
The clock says 10:03
